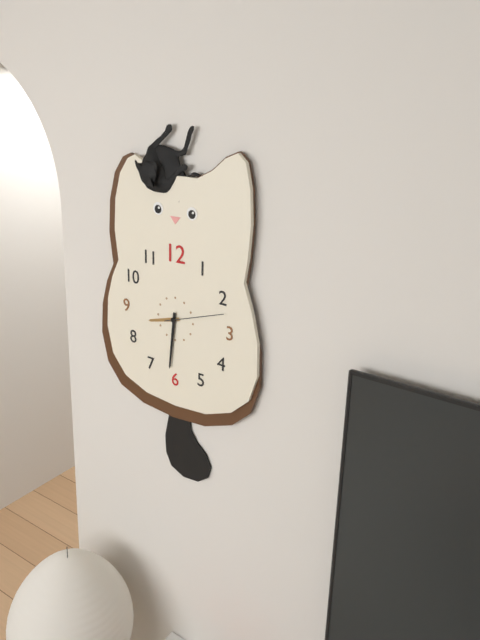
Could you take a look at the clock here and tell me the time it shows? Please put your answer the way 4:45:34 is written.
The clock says 8:31:12
